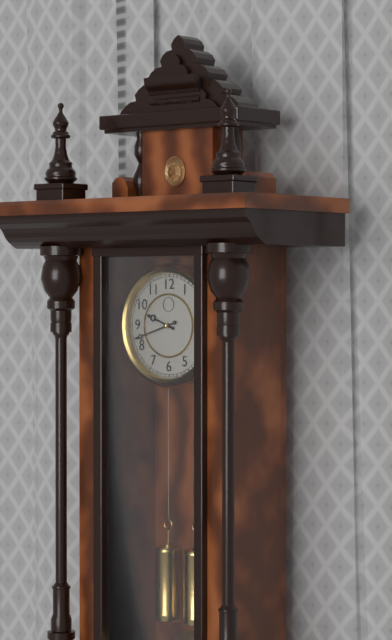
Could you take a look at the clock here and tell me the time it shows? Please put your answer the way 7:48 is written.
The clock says 9:42
